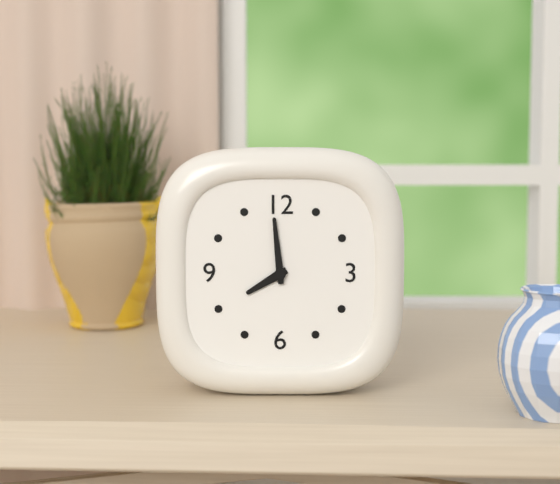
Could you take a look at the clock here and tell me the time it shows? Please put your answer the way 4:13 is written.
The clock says 7:59
